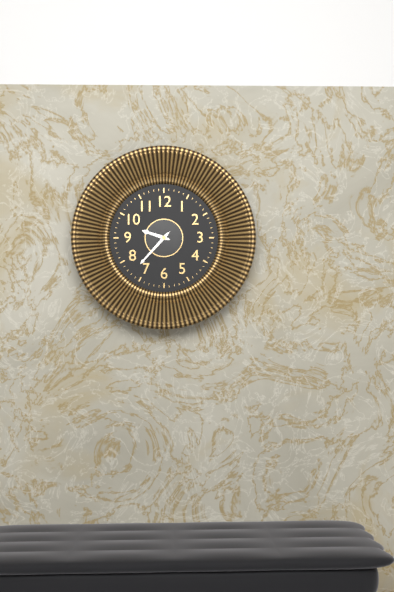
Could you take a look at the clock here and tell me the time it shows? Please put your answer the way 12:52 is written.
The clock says 9:37
